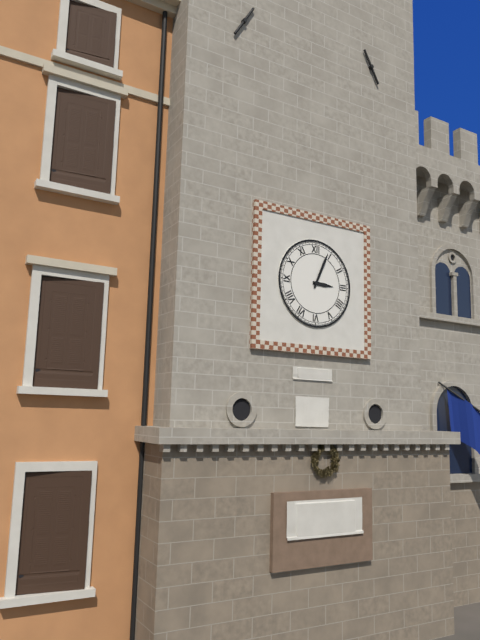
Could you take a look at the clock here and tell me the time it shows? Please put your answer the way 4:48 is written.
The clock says 3:04
